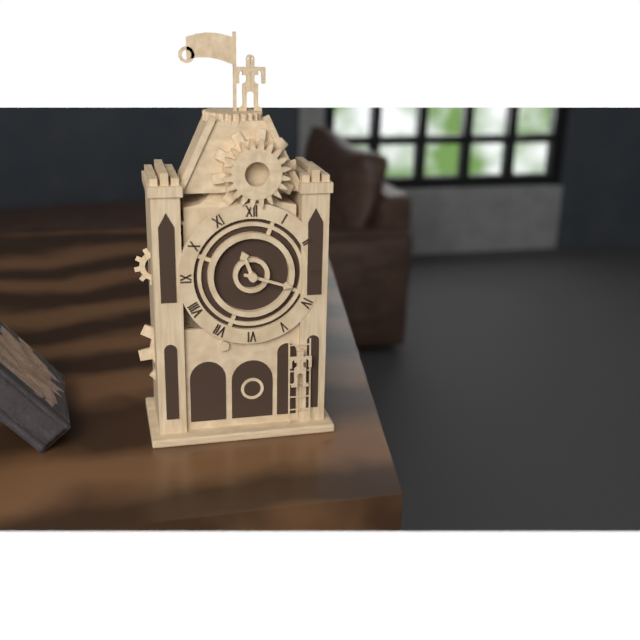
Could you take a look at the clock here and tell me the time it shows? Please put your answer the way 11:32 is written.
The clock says 11:18
